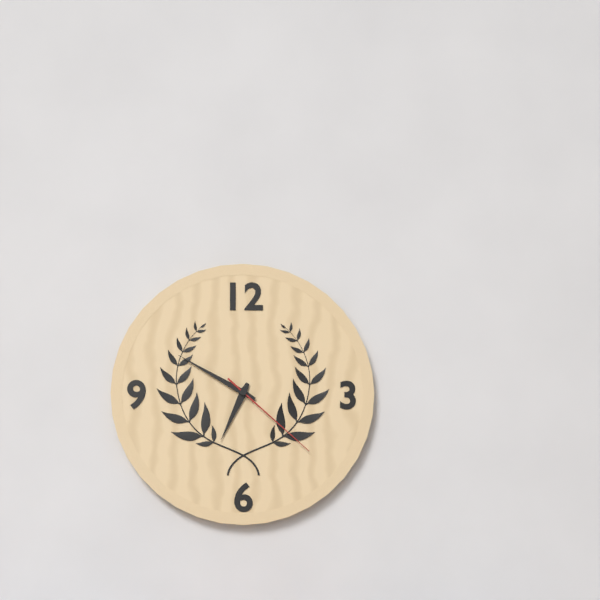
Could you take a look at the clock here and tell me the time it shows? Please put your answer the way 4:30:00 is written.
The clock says 6:50:22
